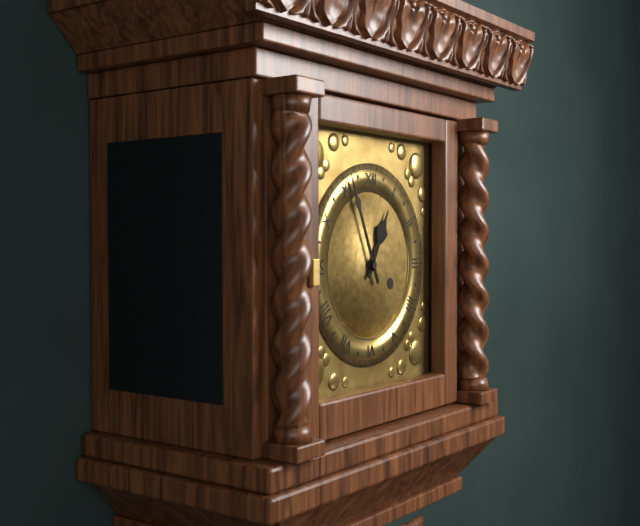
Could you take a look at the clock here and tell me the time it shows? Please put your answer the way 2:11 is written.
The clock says 12:56
